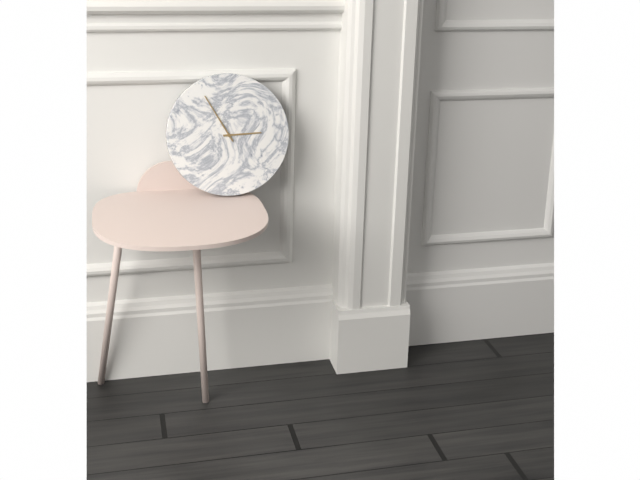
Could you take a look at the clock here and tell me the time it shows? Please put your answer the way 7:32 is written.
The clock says 2:55
